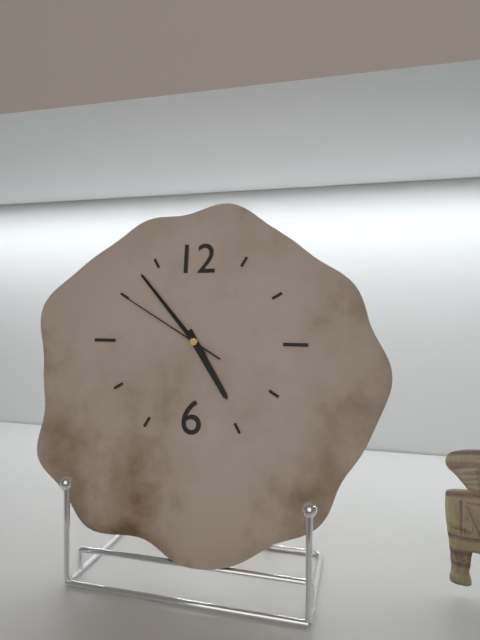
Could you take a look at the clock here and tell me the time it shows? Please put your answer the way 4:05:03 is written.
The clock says 4:53:50
